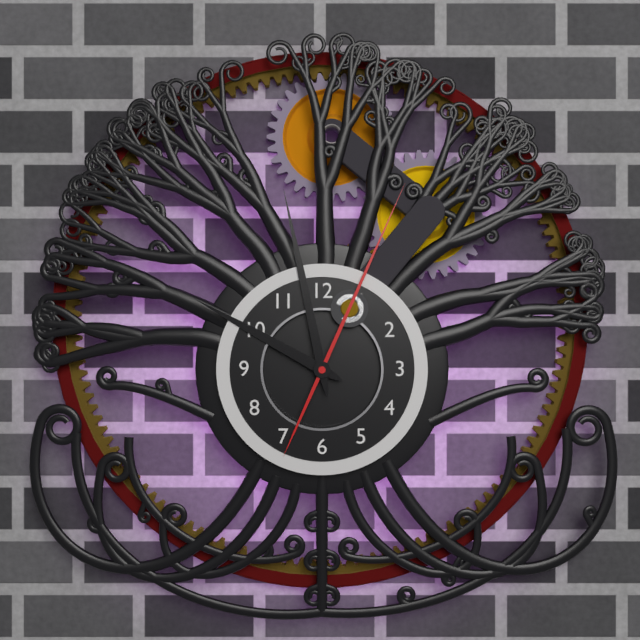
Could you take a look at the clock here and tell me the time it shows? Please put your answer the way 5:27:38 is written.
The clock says 9:58:04
